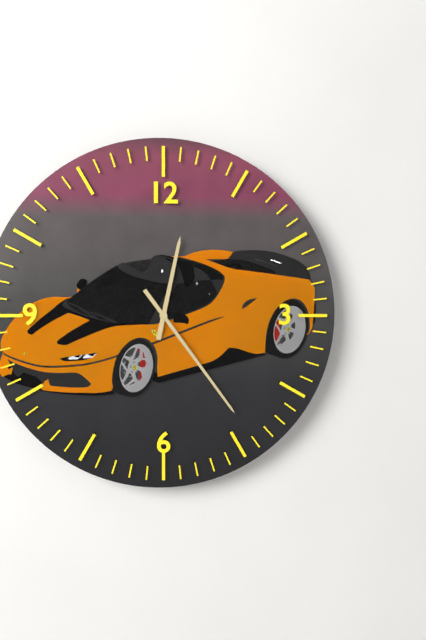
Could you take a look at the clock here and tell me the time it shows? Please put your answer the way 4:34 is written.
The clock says 12:24
